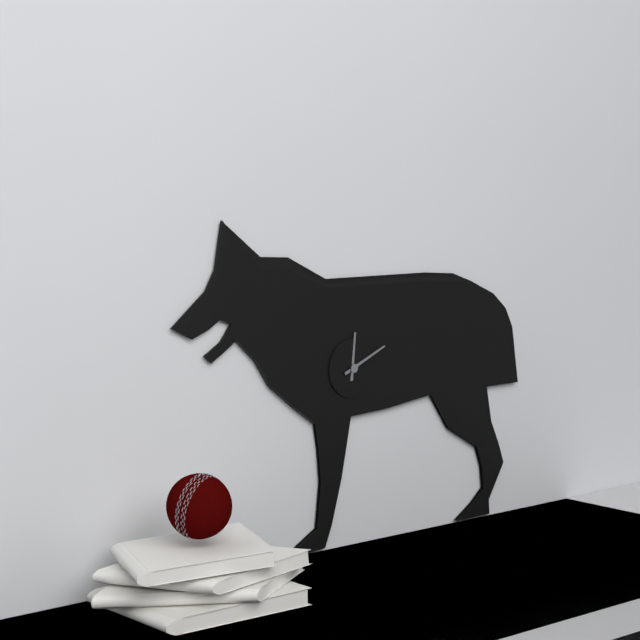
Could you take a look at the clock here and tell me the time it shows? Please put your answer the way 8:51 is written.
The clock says 12:11
